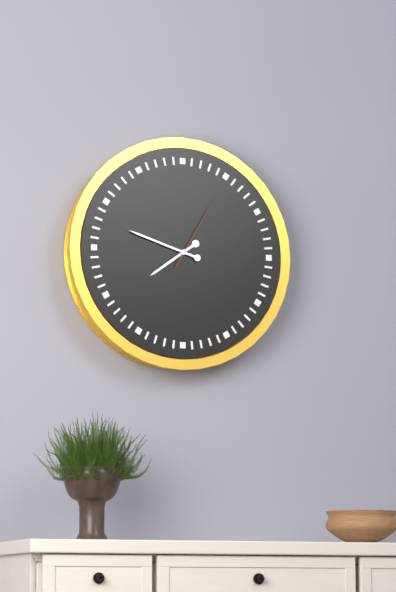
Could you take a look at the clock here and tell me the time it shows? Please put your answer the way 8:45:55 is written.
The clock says 7:48:05
